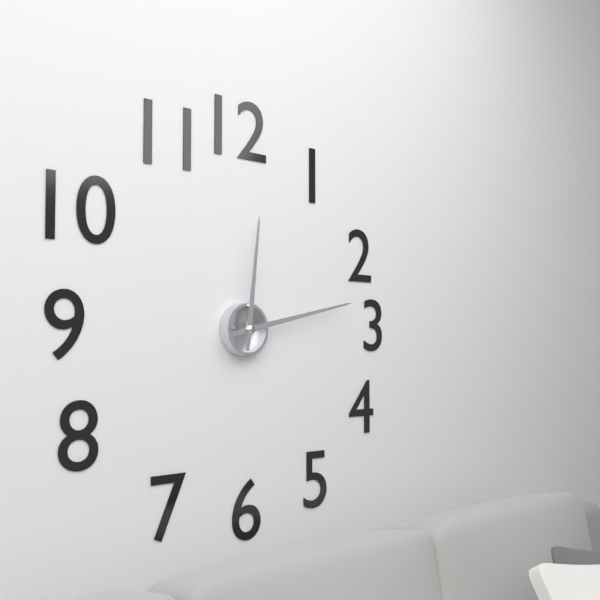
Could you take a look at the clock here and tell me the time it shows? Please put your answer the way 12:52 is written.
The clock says 12:13
